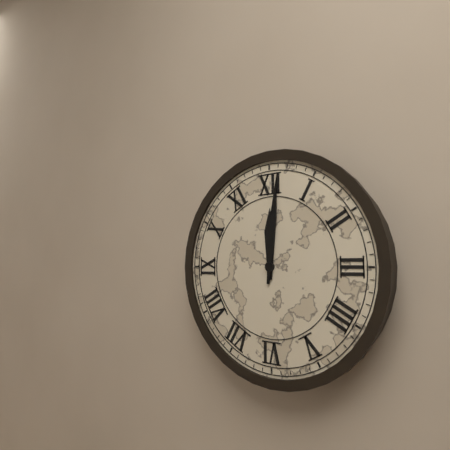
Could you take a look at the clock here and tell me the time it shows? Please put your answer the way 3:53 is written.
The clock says 12:01
